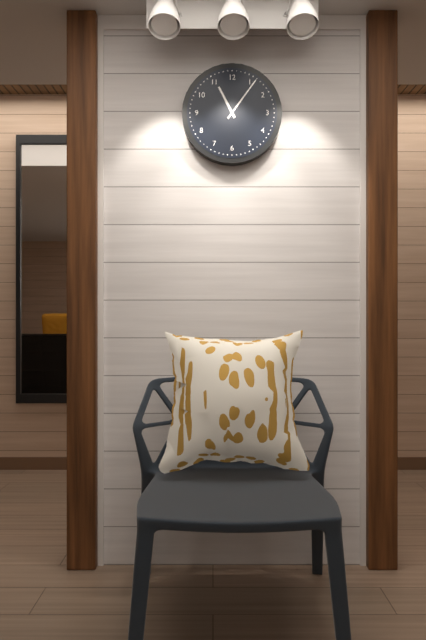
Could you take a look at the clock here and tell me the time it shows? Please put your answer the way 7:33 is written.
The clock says 11:06
